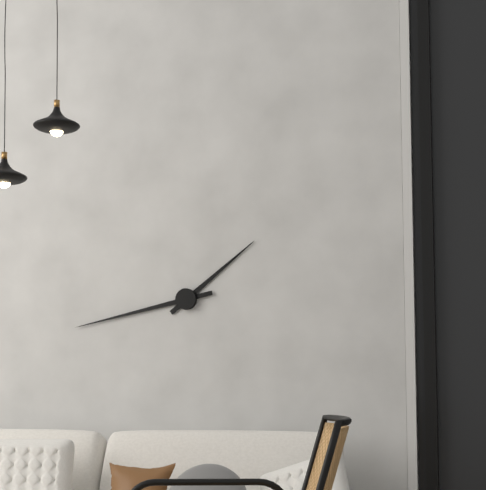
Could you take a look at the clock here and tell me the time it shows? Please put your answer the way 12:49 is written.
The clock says 1:43
